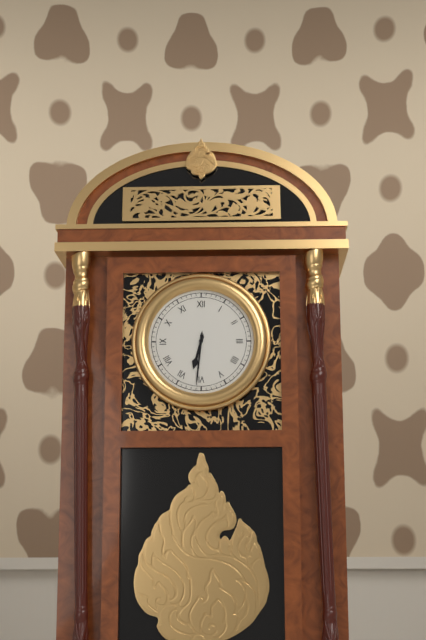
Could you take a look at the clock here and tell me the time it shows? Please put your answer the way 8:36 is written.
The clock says 6:31
